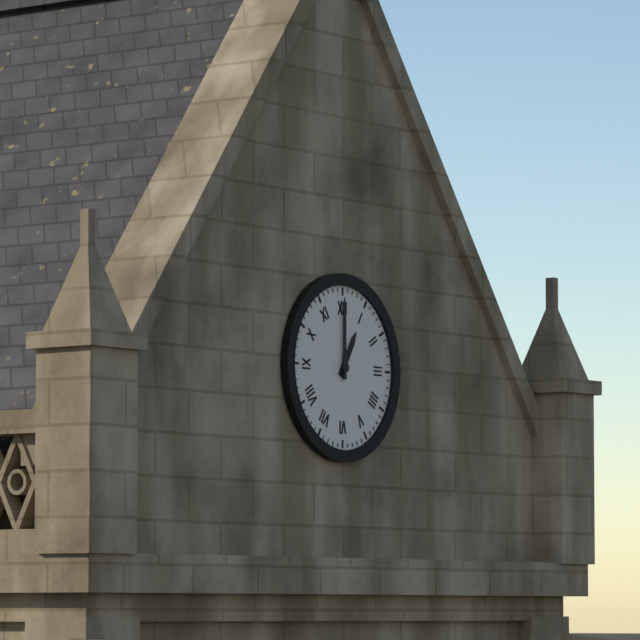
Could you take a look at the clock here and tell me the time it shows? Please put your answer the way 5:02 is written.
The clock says 1:00
